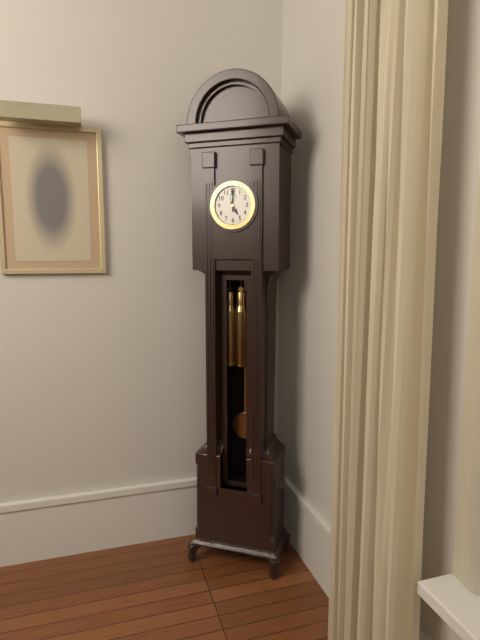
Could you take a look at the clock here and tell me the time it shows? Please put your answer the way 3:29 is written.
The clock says 5:00
